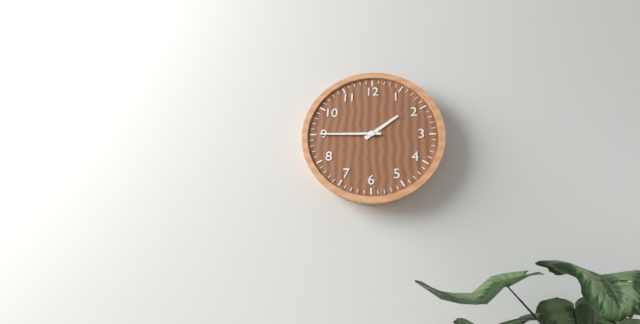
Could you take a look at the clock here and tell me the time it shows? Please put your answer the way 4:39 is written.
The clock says 1:45
